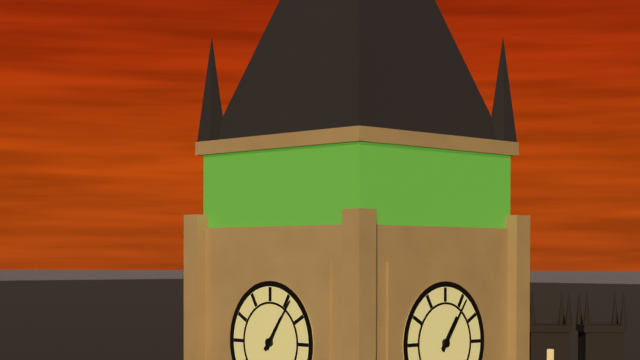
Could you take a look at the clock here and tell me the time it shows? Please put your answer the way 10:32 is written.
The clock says 1:06
